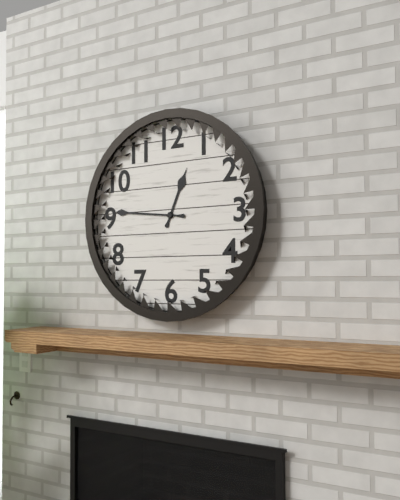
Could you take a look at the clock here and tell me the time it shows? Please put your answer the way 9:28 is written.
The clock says 12:46
